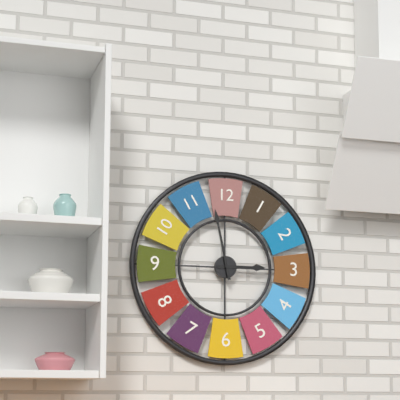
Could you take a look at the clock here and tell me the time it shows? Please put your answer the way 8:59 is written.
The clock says 2:58
